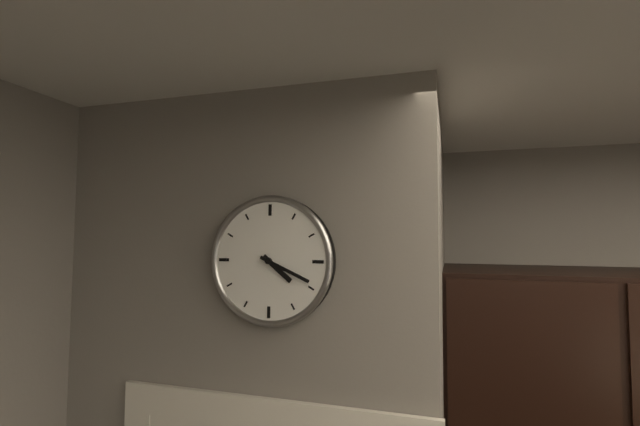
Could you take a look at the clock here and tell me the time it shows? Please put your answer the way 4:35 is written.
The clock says 4:19
